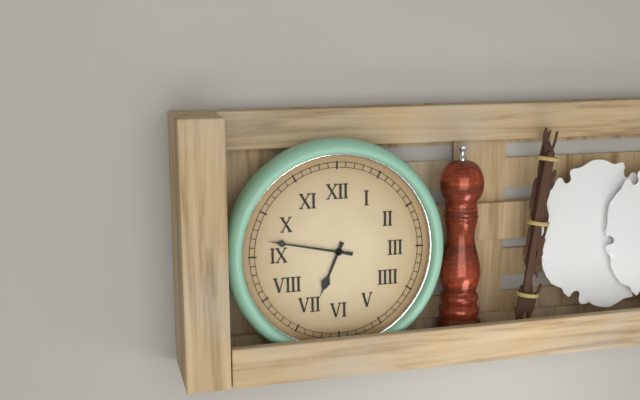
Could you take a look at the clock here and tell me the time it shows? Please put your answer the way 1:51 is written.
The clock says 6:47
